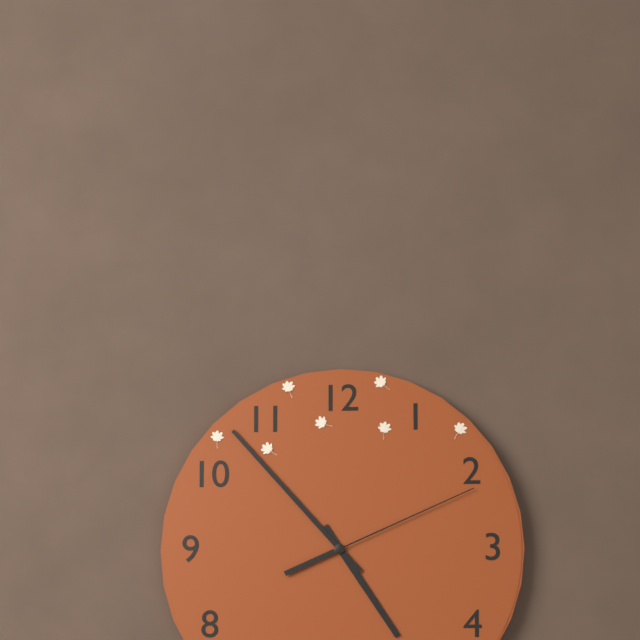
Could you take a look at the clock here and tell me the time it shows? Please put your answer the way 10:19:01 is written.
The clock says 4:53:11
